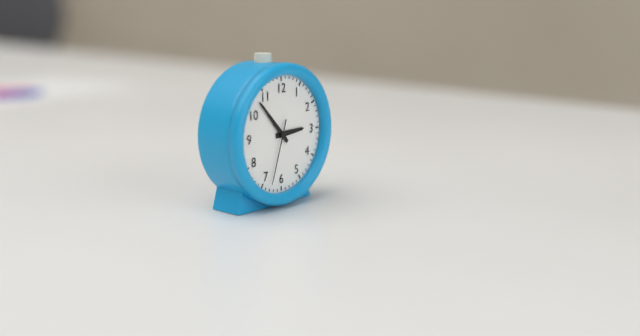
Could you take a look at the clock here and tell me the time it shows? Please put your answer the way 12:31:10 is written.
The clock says 2:53:33
